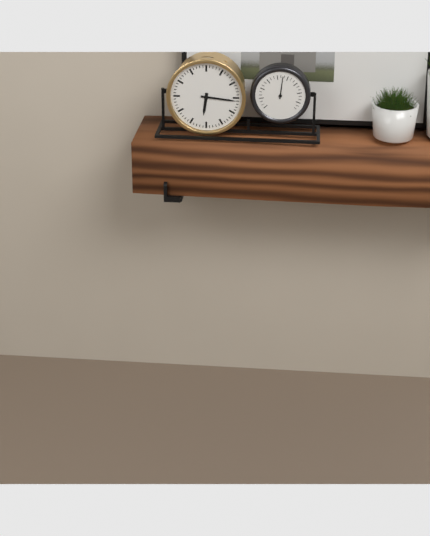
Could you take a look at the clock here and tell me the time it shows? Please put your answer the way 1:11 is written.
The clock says 6:16
